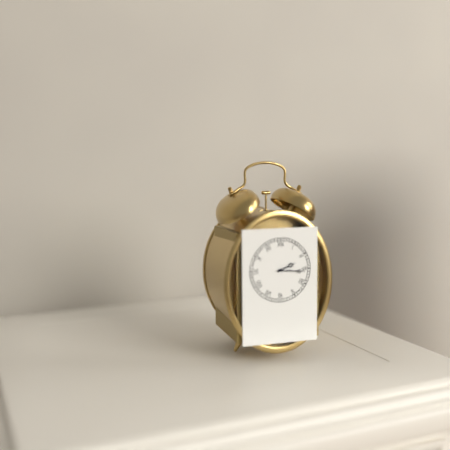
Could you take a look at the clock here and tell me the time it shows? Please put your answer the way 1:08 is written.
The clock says 2:16
